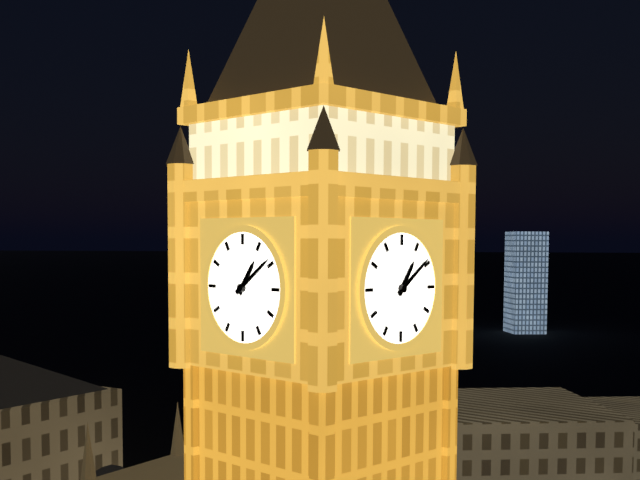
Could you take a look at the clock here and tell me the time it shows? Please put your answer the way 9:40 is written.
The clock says 1:09
